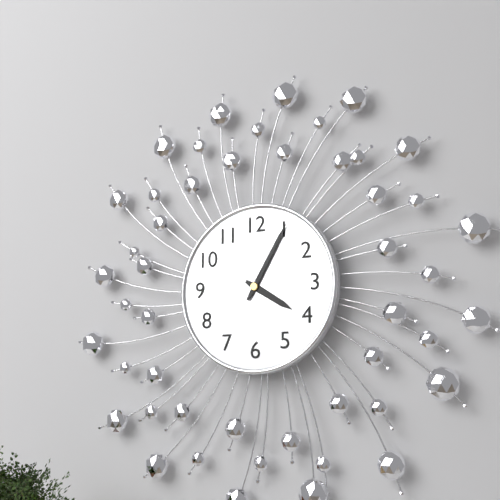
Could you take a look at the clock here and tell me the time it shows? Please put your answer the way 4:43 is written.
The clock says 4:05
